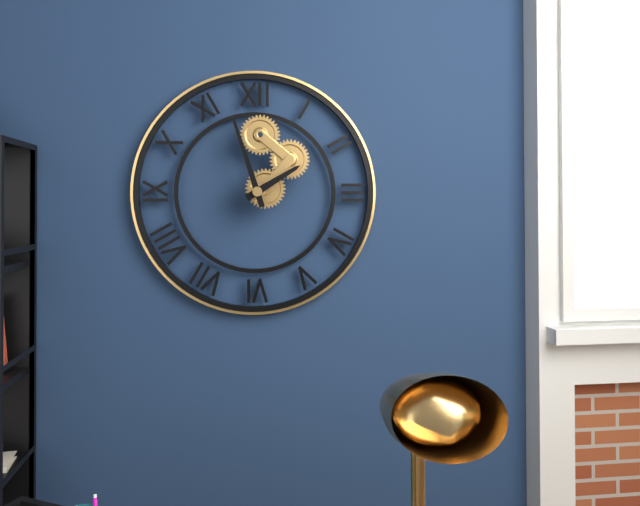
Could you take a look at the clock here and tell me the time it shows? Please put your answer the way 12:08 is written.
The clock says 1:57
